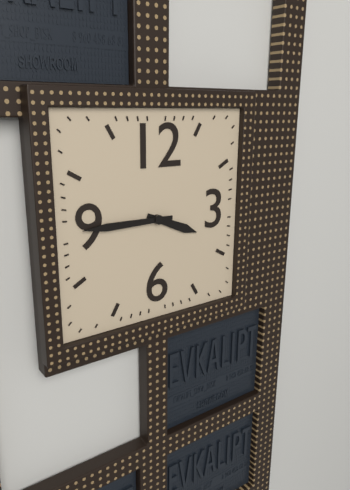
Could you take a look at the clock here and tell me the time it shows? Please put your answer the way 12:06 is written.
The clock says 3:45
